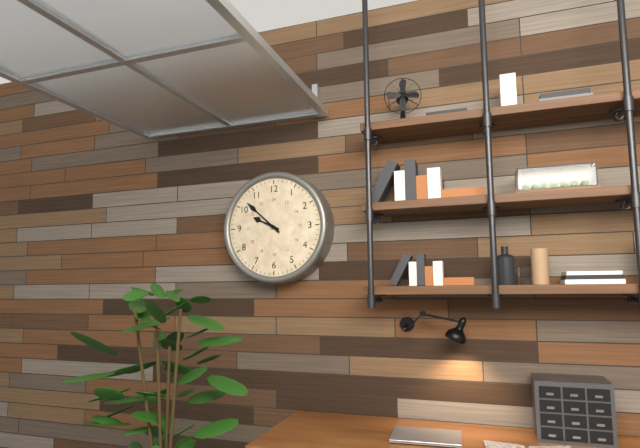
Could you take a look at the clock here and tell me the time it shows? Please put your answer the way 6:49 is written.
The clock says 9:52
